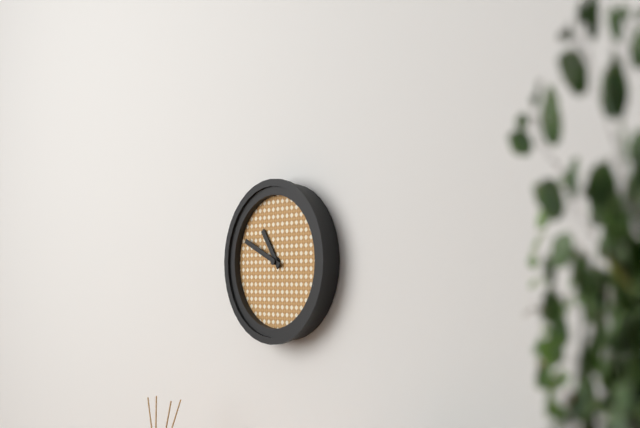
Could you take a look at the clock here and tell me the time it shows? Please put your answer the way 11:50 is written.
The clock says 10:49
